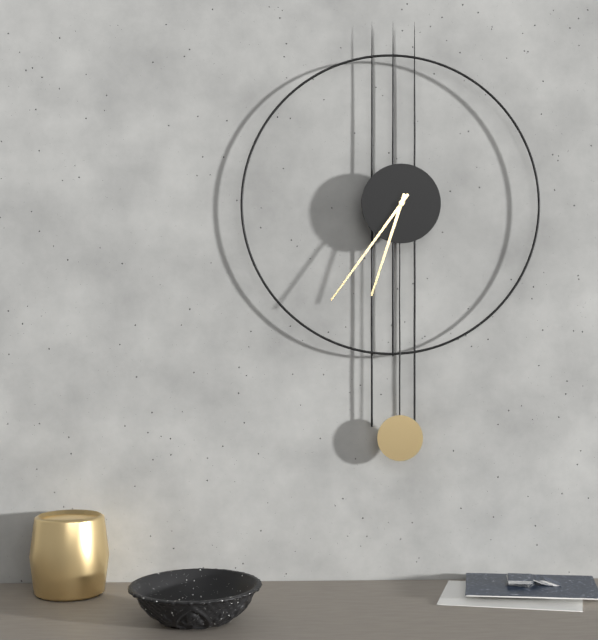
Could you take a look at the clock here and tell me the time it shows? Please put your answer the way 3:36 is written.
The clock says 6:36
